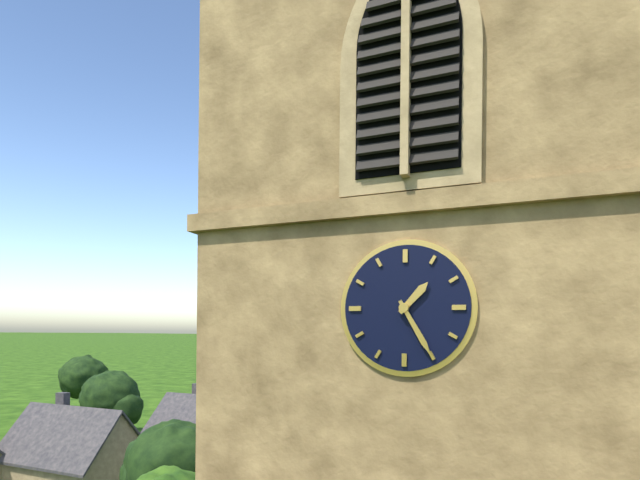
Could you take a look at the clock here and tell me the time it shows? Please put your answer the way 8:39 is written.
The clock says 1:25
